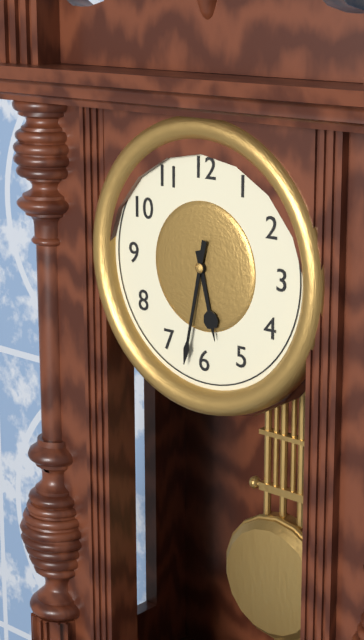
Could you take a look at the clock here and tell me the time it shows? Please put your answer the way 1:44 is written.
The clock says 5:32
